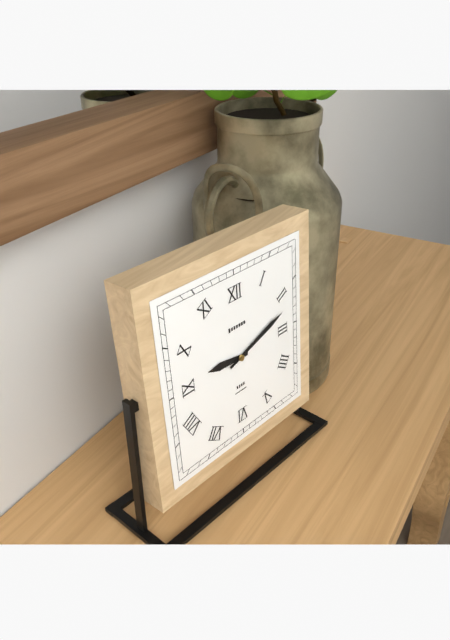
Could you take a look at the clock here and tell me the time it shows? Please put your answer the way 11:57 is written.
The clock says 9:12
